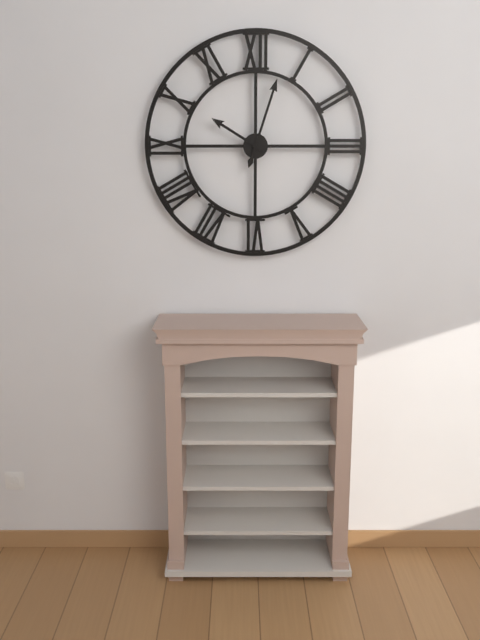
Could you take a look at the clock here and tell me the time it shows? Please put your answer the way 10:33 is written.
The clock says 10:03
